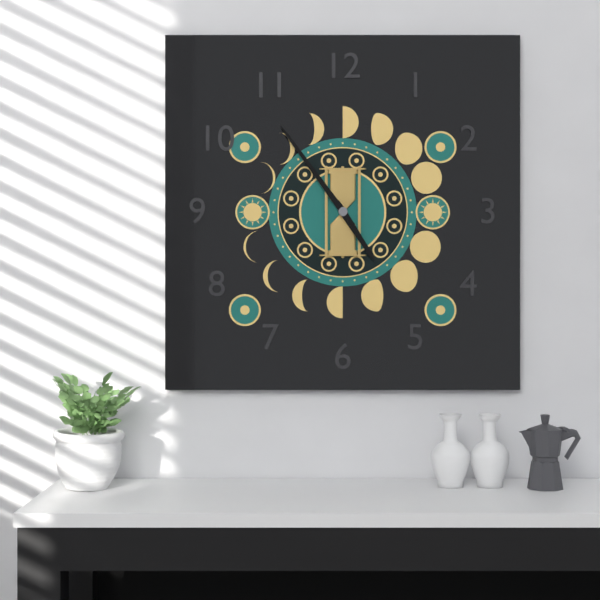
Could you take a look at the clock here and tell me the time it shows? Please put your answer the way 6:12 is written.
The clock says 4:54
